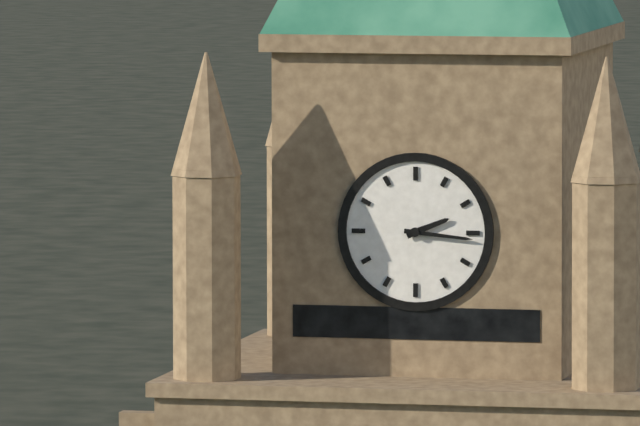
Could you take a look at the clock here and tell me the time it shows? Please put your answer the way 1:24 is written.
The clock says 2:16
